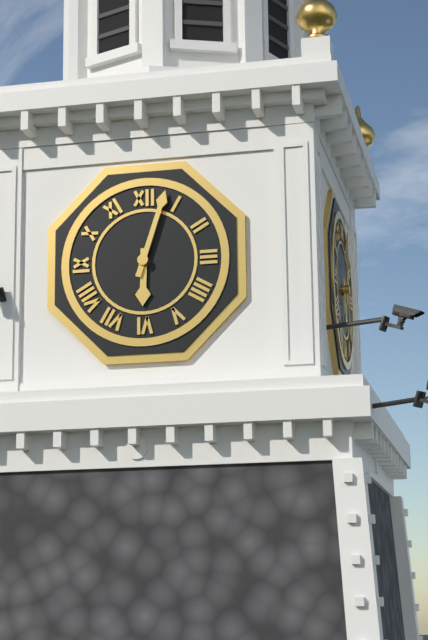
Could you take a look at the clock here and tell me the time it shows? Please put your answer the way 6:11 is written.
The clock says 6:03
